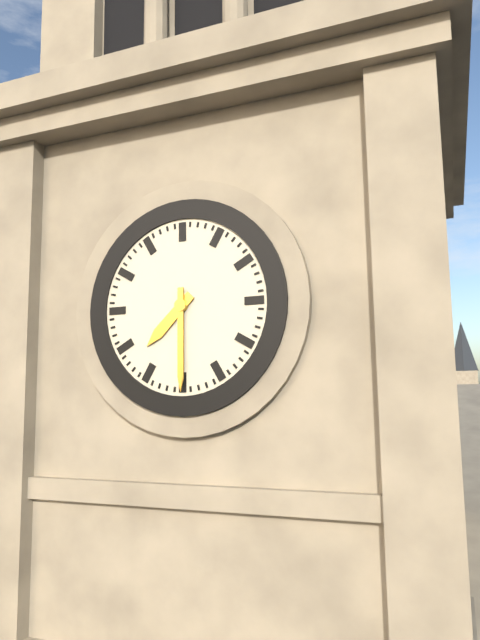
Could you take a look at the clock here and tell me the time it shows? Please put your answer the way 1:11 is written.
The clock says 7:30
